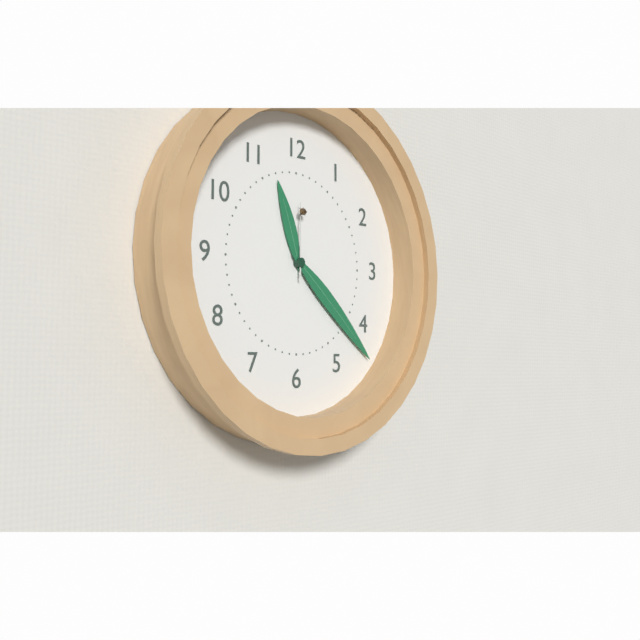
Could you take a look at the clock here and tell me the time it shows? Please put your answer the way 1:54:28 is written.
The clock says 11:22:00
